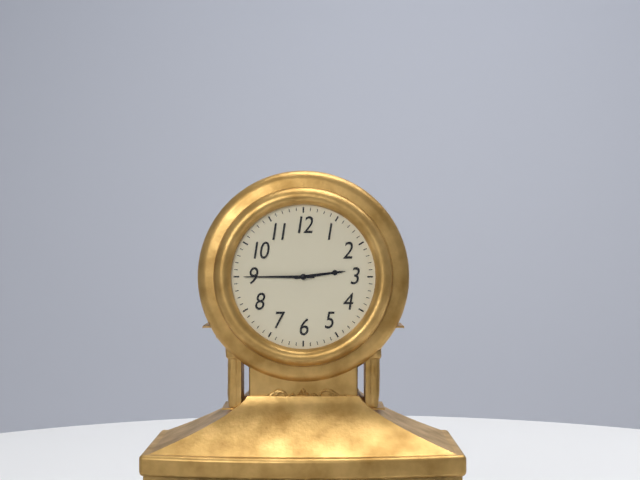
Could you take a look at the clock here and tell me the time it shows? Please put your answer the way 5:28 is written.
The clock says 2:45
